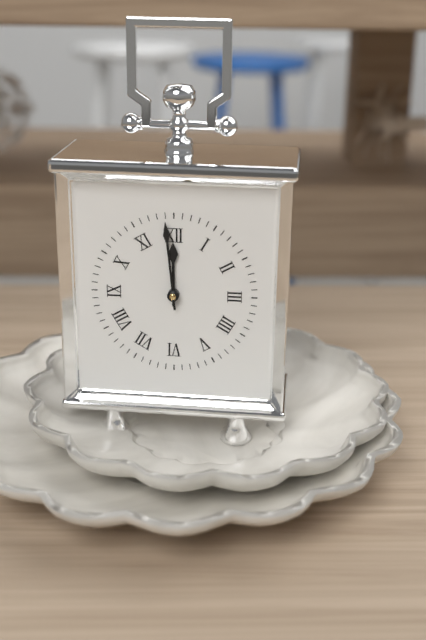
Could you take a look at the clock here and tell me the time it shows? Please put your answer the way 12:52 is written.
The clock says 11:59
